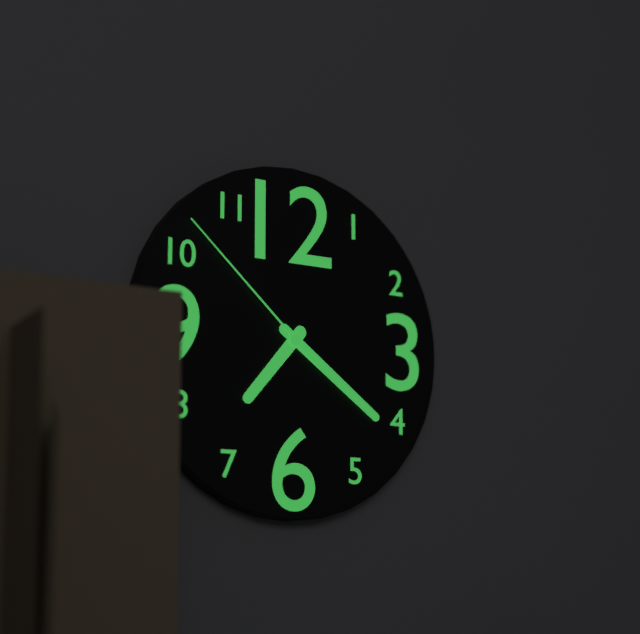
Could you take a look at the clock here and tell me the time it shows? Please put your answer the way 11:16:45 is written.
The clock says 7:21:52
